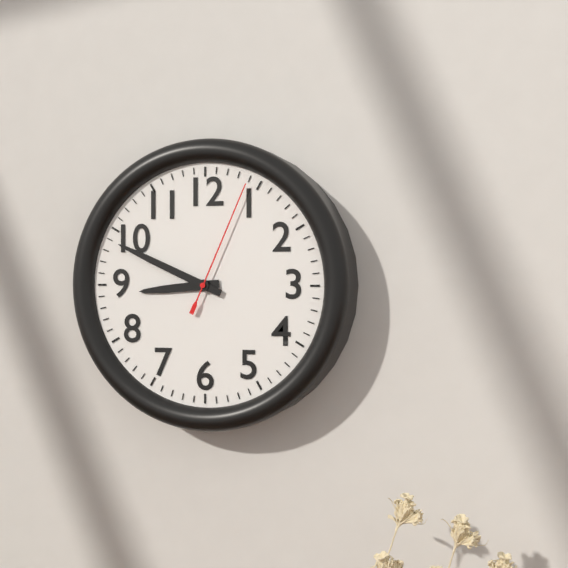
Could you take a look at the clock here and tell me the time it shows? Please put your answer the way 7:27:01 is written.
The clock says 8:49:04
